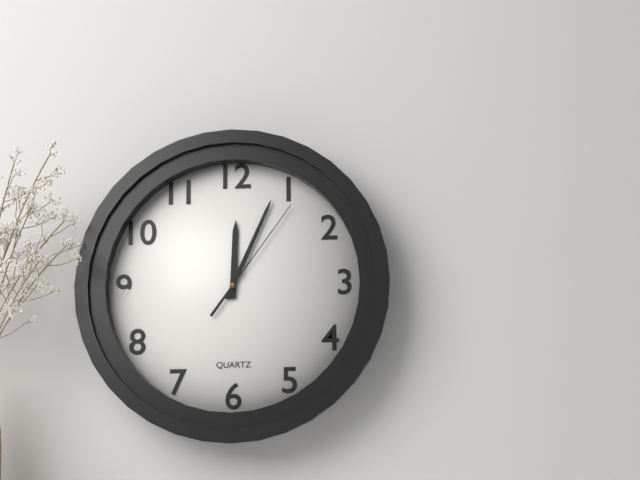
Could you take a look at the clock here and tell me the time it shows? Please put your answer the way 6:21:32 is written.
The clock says 12:04:06
